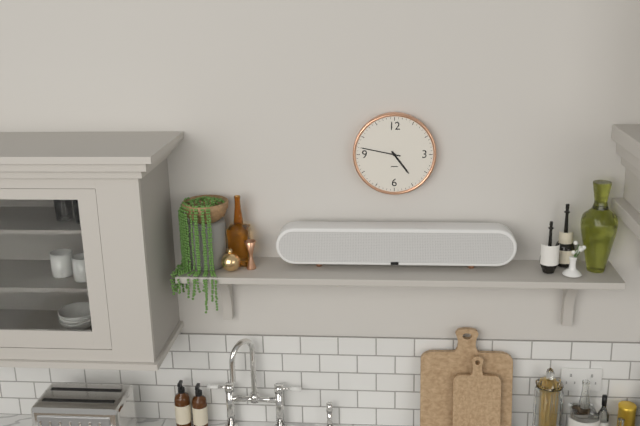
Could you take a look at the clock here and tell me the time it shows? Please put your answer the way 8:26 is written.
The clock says 4:47
